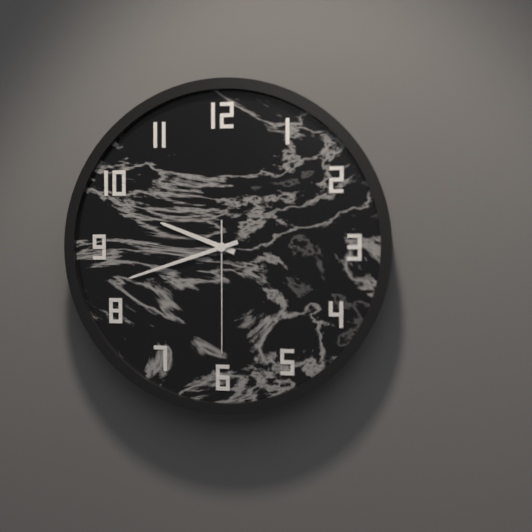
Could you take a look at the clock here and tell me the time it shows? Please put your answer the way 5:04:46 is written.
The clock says 9:42:30
